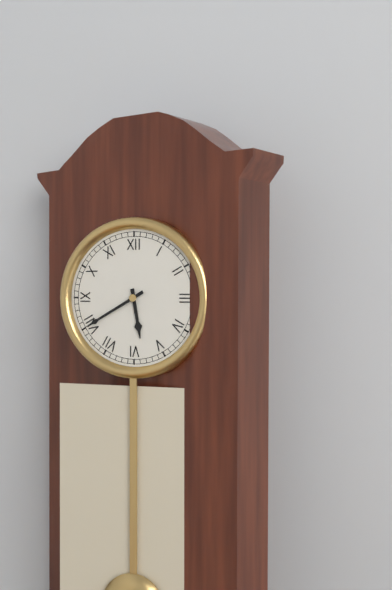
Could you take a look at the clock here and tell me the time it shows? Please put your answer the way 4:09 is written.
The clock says 5:40
